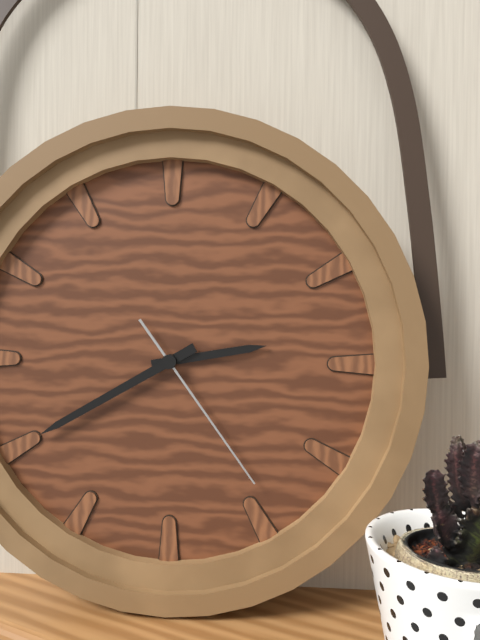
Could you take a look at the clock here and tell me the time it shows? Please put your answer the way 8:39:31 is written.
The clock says 2:40:24
